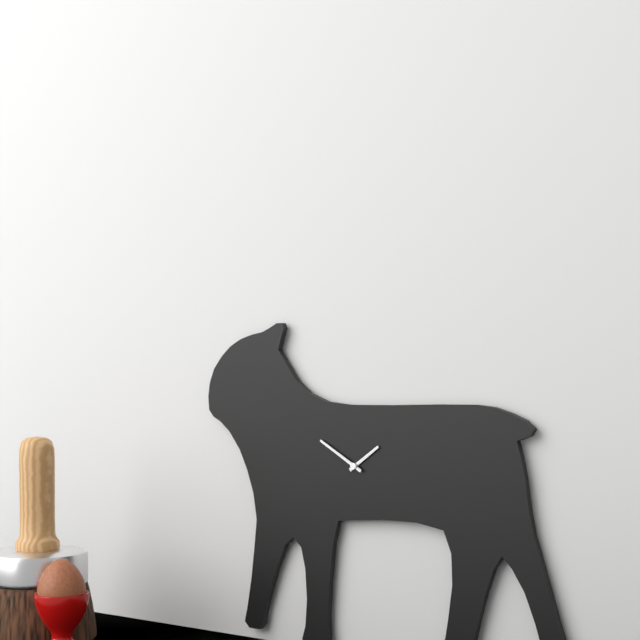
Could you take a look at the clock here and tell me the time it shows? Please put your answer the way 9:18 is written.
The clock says 1:50
